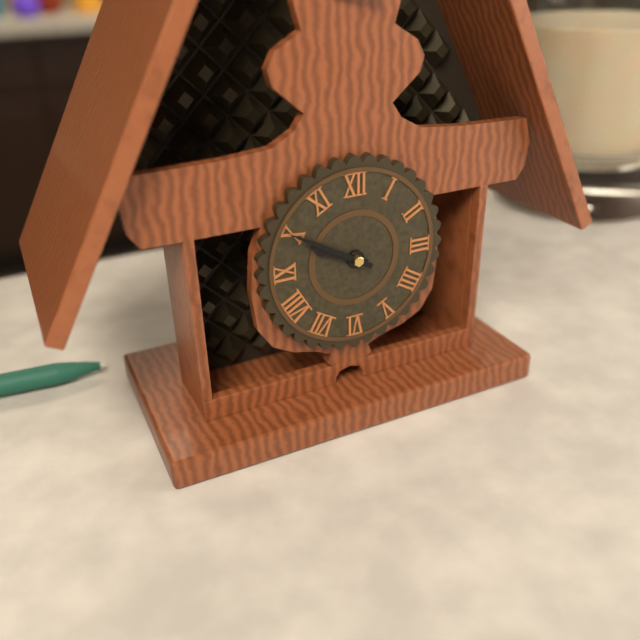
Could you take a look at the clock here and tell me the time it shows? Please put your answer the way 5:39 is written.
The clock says 9:50
